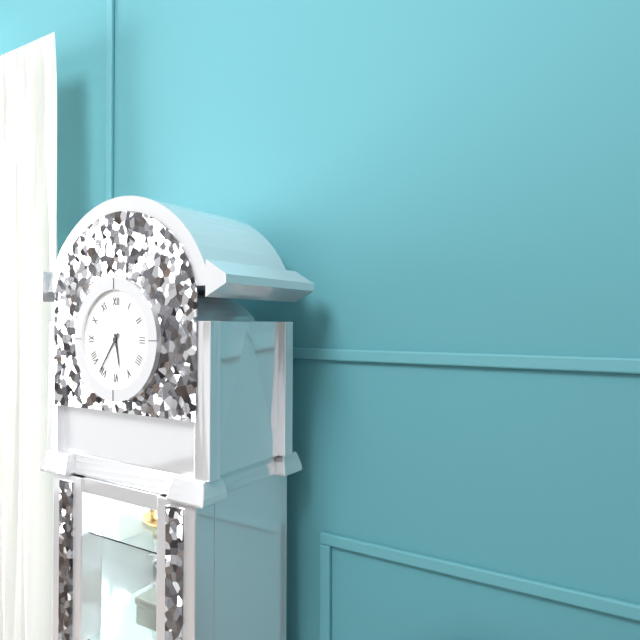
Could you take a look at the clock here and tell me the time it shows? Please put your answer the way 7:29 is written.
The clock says 5:36
